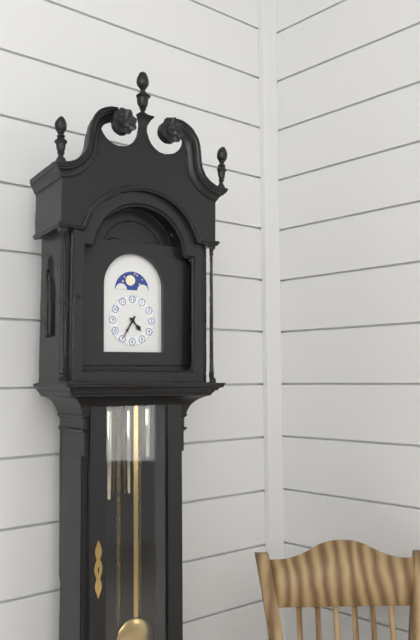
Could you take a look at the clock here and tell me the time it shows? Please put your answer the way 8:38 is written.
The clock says 4:35
